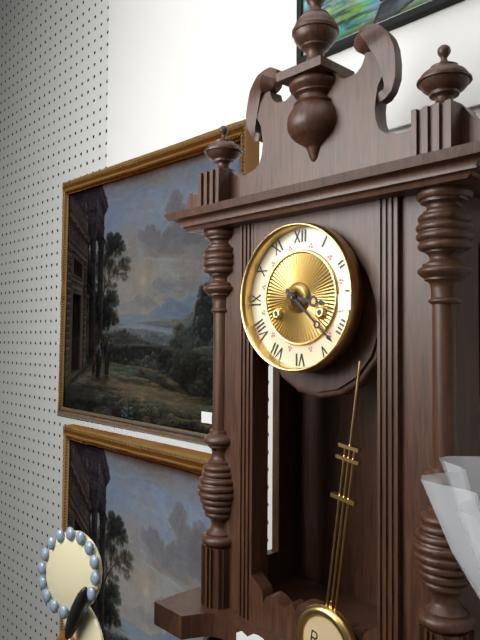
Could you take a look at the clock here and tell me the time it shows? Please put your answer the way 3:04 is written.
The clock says 3:22
